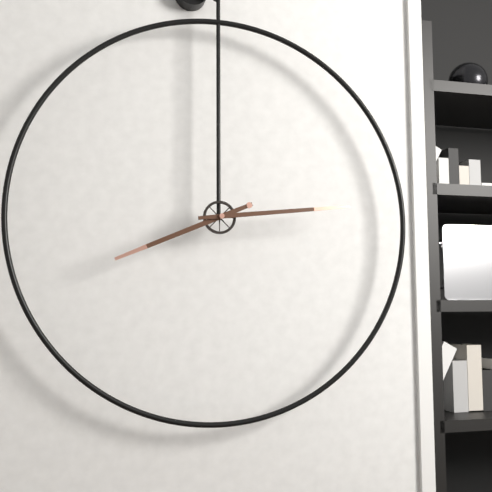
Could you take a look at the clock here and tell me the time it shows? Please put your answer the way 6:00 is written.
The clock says 8:14
